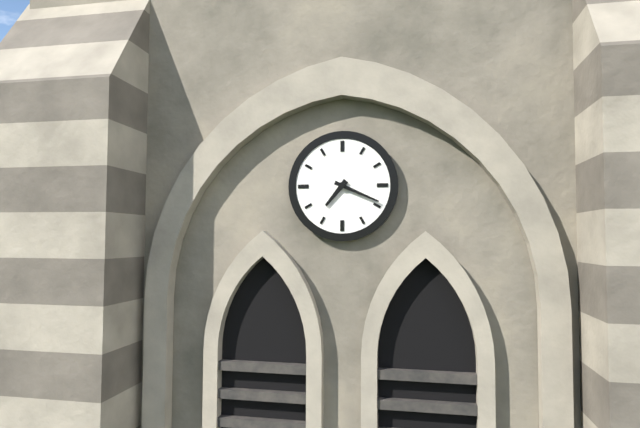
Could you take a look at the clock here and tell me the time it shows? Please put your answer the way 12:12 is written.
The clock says 7:19
